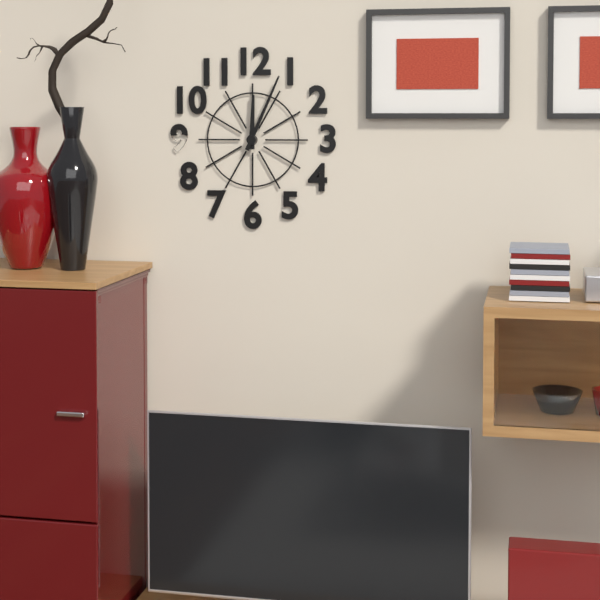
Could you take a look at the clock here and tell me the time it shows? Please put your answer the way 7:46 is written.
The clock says 12:04
